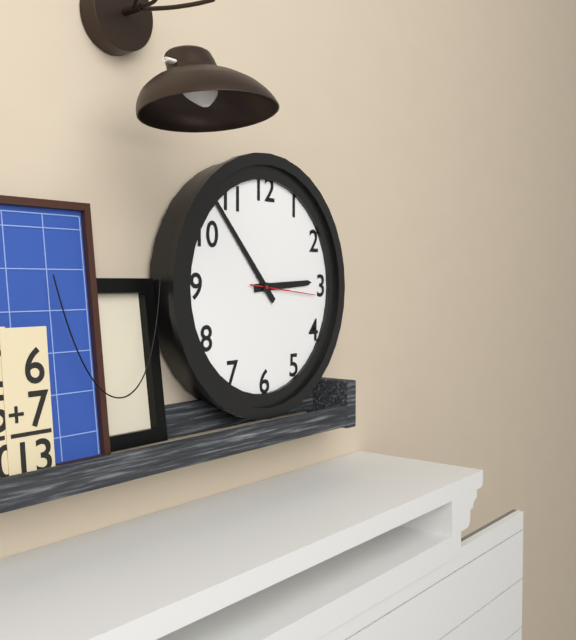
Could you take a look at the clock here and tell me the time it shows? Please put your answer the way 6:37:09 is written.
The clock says 2:53:16
